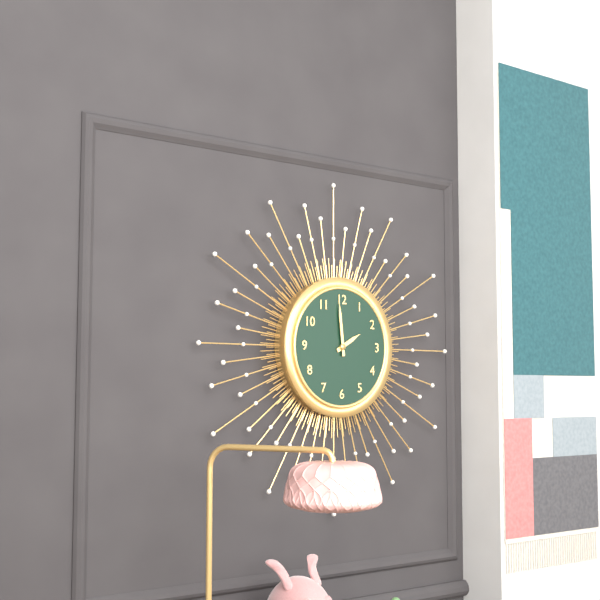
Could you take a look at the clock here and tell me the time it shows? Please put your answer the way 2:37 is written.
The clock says 1:59
